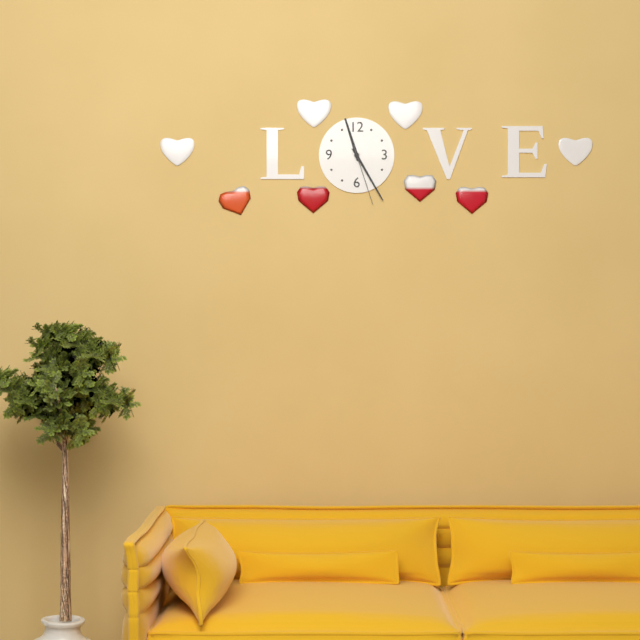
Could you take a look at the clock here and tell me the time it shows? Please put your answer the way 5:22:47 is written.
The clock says 11:25:27
